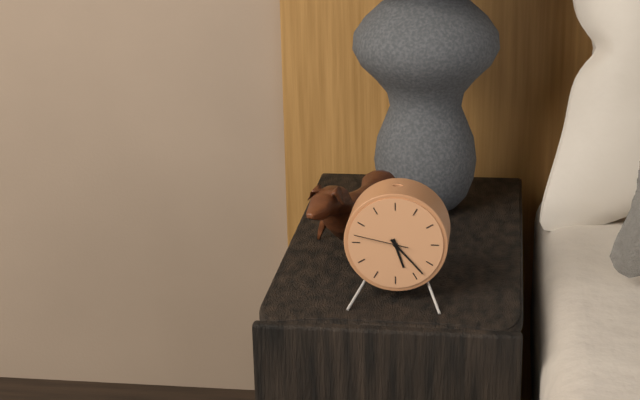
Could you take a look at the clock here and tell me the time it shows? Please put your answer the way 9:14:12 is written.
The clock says 5:23:47
